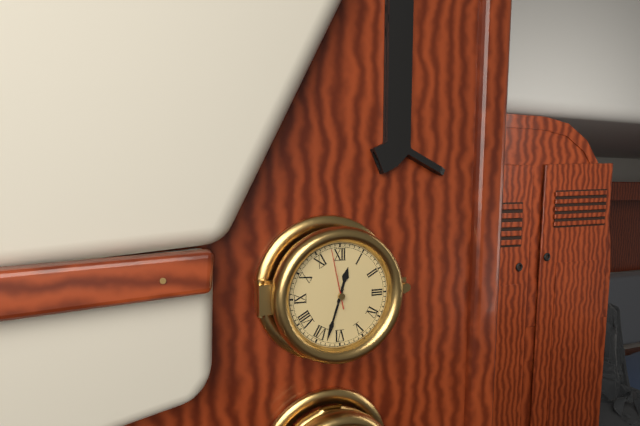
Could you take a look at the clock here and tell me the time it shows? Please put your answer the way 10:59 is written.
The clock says 12:33
